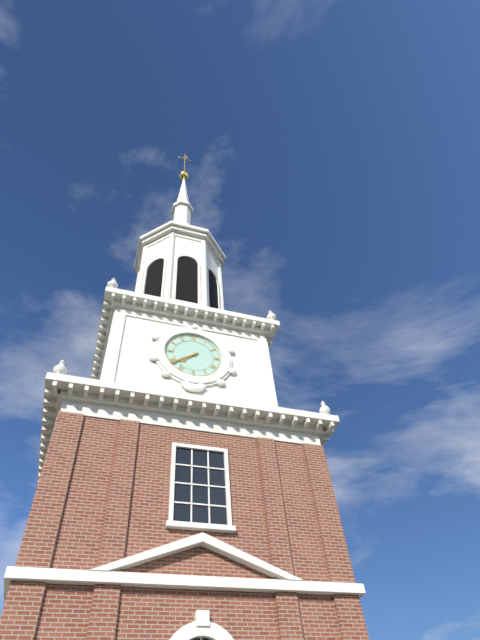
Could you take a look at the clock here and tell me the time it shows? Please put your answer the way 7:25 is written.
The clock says 7:39
